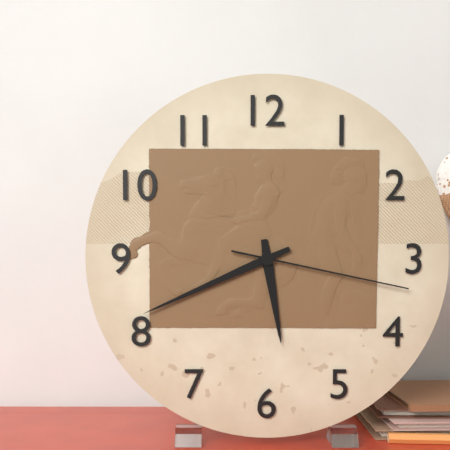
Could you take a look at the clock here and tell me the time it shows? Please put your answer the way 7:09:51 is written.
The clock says 5:41:17
